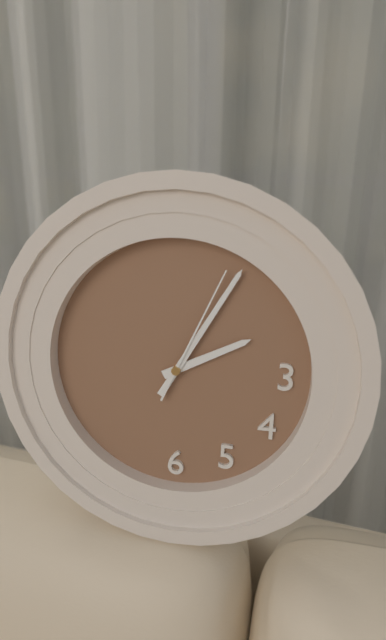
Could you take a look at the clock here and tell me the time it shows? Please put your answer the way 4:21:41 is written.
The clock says 2:05:04
